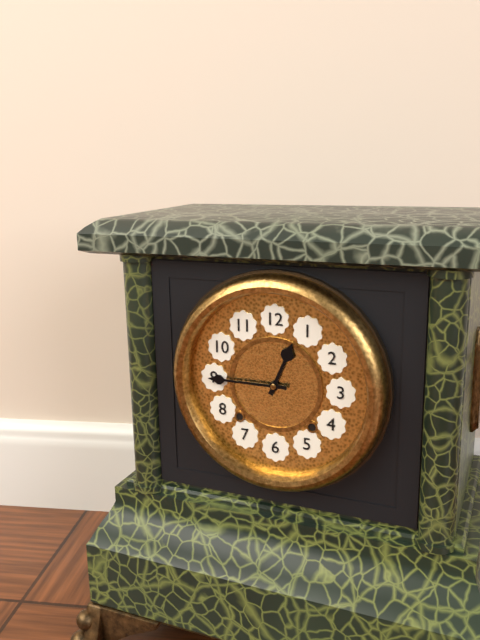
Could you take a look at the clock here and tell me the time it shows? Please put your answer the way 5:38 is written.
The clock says 12:45
